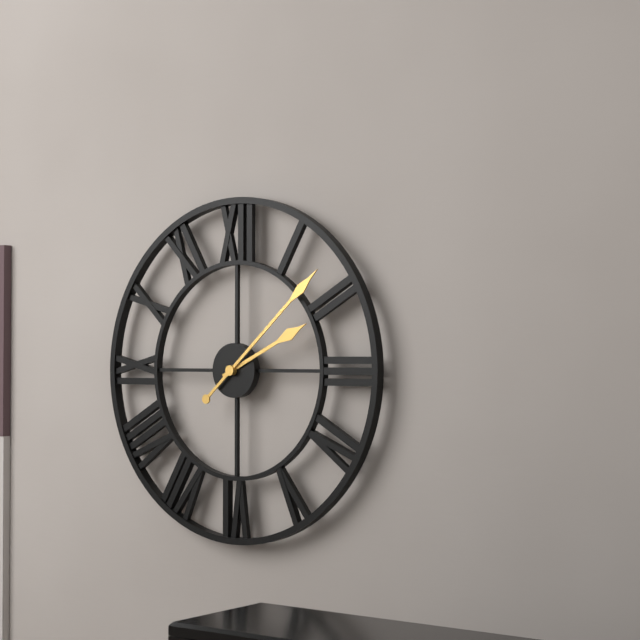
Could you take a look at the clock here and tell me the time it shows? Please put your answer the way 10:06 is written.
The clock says 2:08
